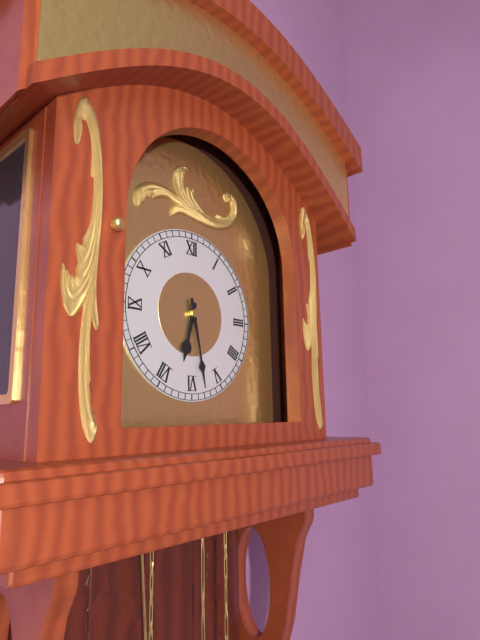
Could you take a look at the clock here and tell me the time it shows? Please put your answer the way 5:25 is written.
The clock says 6:28
